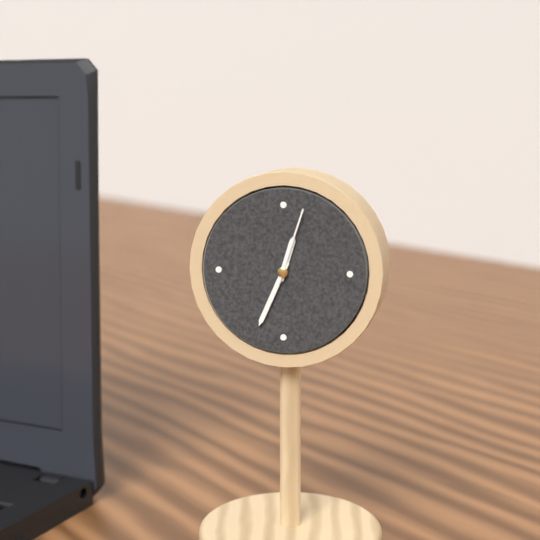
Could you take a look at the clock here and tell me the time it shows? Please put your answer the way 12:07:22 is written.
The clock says 12:34:03
